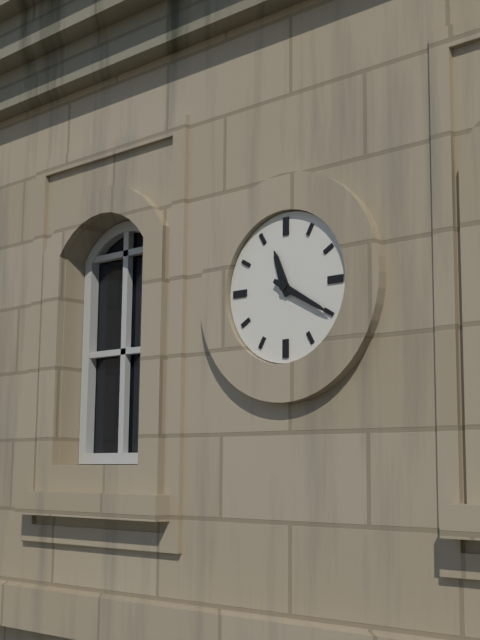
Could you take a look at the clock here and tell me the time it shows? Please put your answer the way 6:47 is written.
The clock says 11:20
